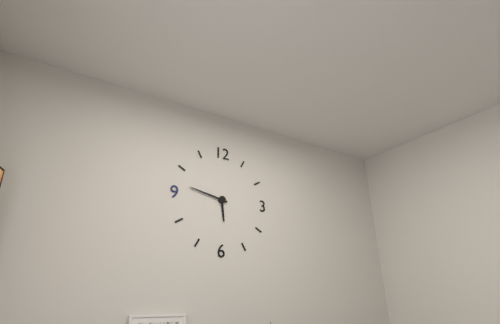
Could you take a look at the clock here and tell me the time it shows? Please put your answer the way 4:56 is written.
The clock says 5:47
